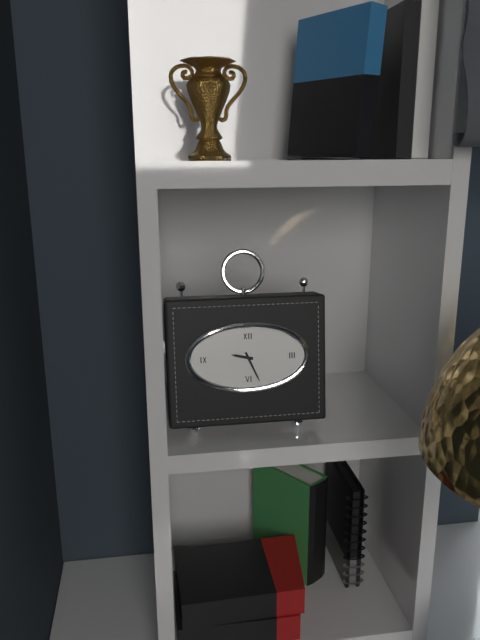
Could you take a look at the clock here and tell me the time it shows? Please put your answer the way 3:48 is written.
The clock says 9:26
